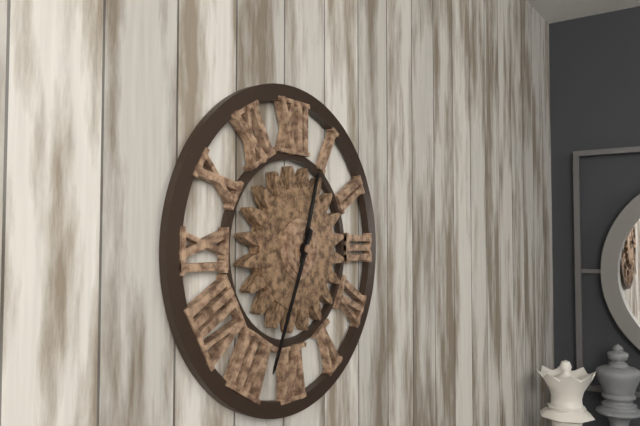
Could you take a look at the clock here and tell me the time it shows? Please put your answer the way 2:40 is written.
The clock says 12:34
